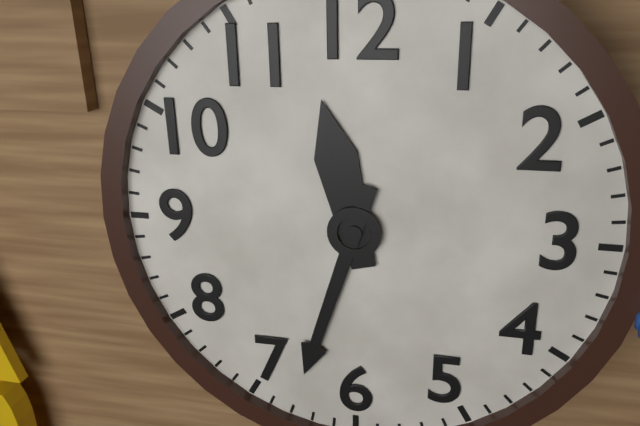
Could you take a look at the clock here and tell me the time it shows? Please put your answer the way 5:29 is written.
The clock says 11:33
